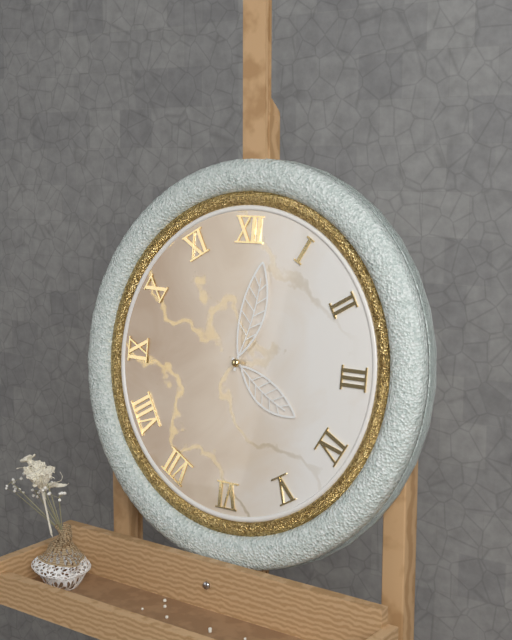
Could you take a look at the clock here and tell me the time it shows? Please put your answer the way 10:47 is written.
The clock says 4:02
